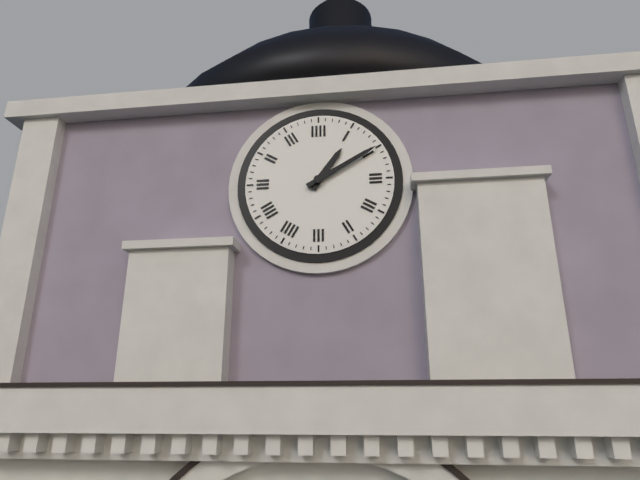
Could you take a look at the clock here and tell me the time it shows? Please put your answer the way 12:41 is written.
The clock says 1:10
